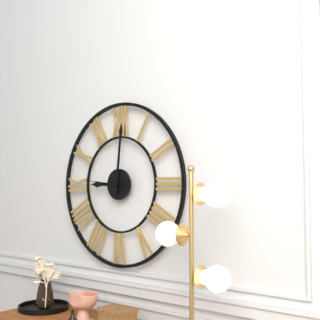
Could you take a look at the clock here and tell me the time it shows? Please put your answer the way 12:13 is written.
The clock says 9:01
